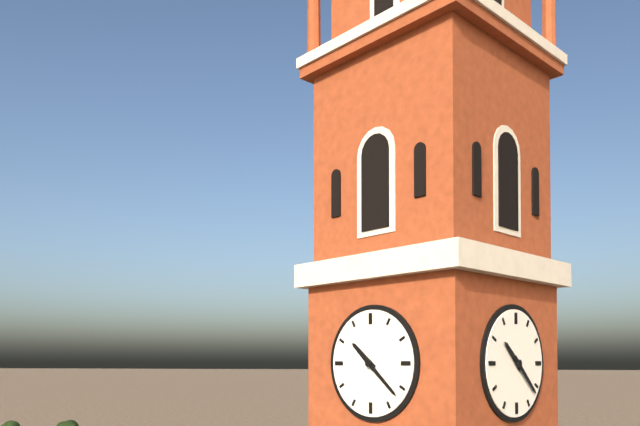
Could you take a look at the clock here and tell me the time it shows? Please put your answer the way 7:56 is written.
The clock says 10:22
